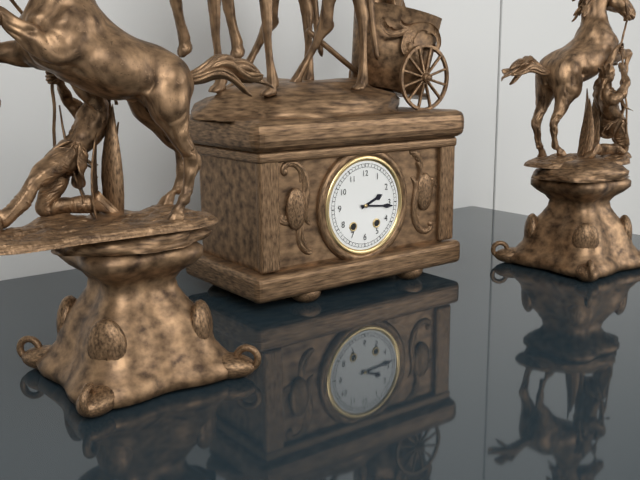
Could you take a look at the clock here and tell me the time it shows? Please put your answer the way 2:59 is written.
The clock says 2:16
